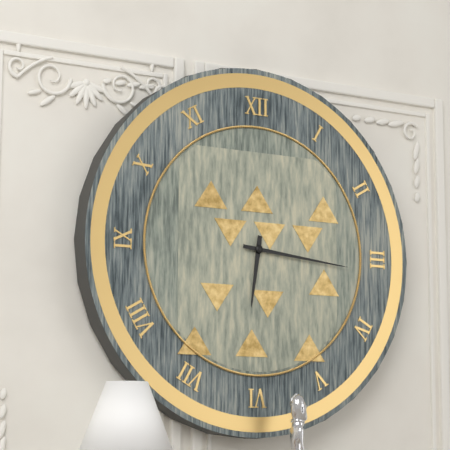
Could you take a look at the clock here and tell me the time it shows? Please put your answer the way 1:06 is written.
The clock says 6:16
